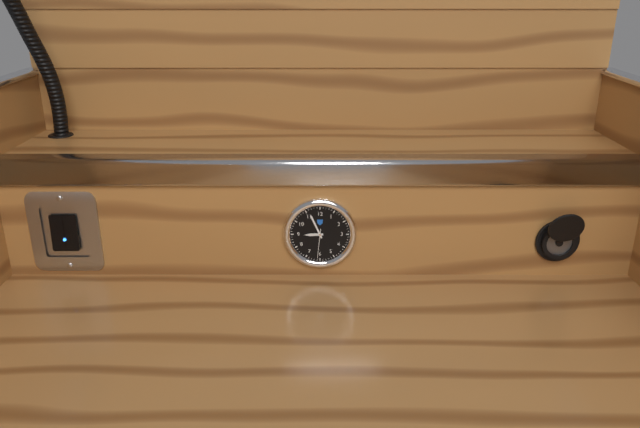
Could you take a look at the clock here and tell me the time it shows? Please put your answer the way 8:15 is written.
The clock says 8:56
